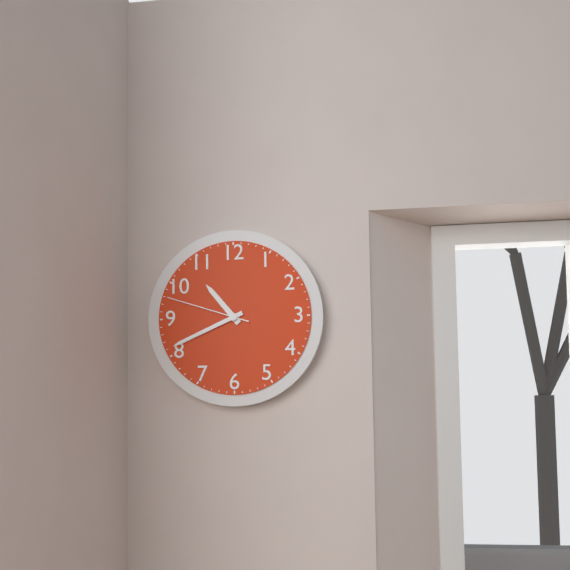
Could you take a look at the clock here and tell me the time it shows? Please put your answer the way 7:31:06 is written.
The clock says 10:41:48
